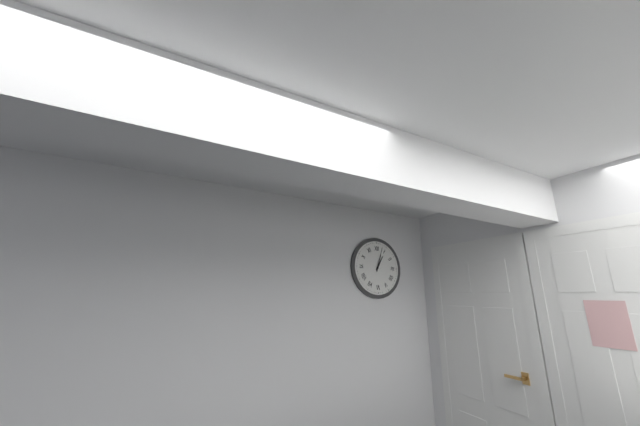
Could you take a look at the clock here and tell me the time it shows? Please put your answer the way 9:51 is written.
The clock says 1:03
